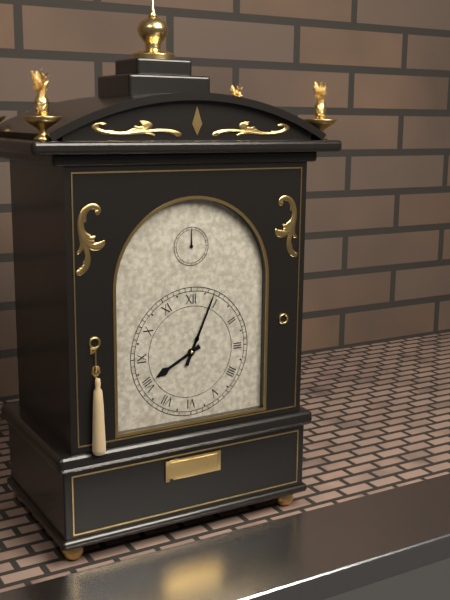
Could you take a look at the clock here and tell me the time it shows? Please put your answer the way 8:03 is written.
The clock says 8:04
